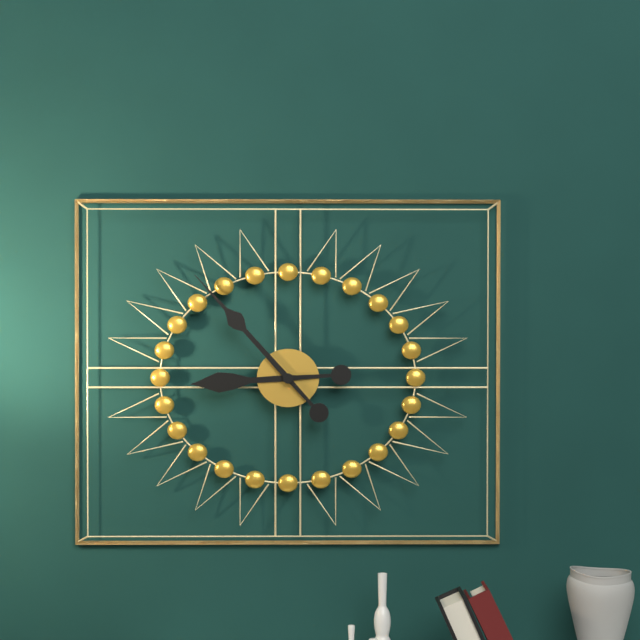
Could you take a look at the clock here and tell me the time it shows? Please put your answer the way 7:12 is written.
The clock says 8:53
